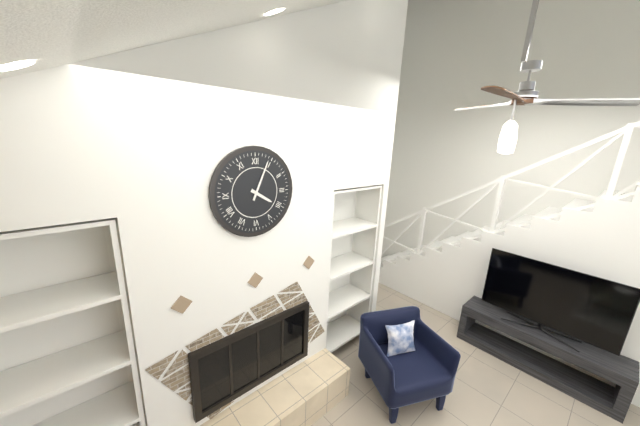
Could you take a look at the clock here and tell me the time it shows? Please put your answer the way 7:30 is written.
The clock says 4:04
